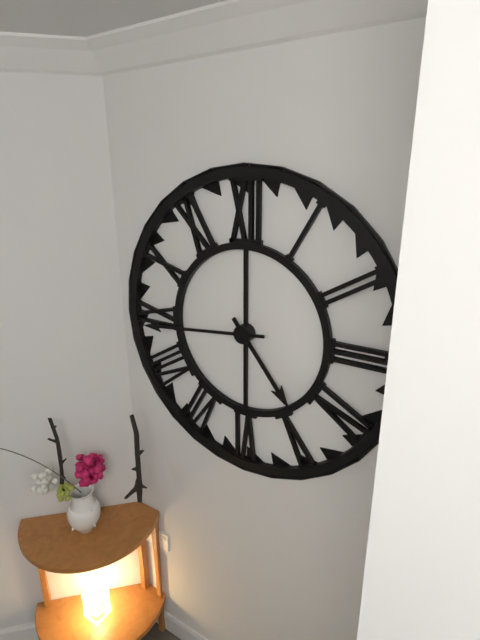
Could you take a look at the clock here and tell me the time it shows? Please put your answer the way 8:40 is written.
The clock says 4:44
